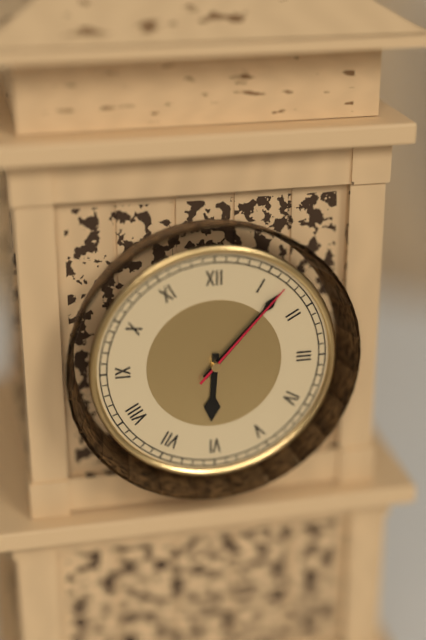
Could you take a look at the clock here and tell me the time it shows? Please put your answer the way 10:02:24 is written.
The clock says 6:07:07
